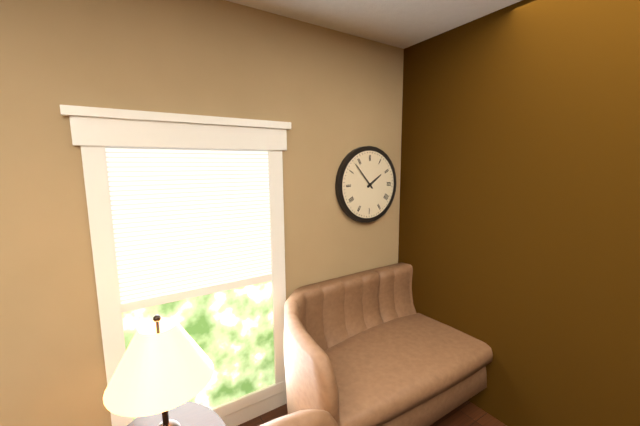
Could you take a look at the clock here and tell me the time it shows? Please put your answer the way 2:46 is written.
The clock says 1:53
